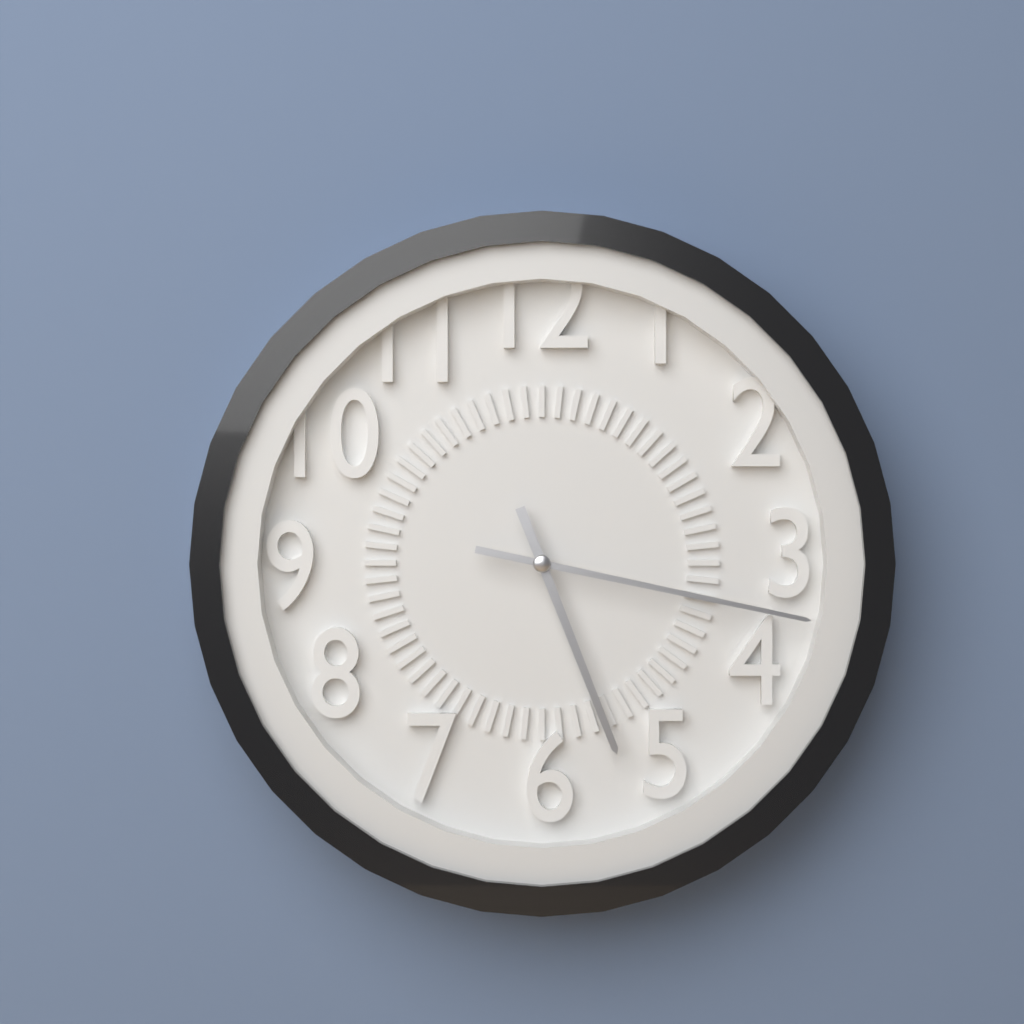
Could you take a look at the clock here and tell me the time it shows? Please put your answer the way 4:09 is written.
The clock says 5:17
